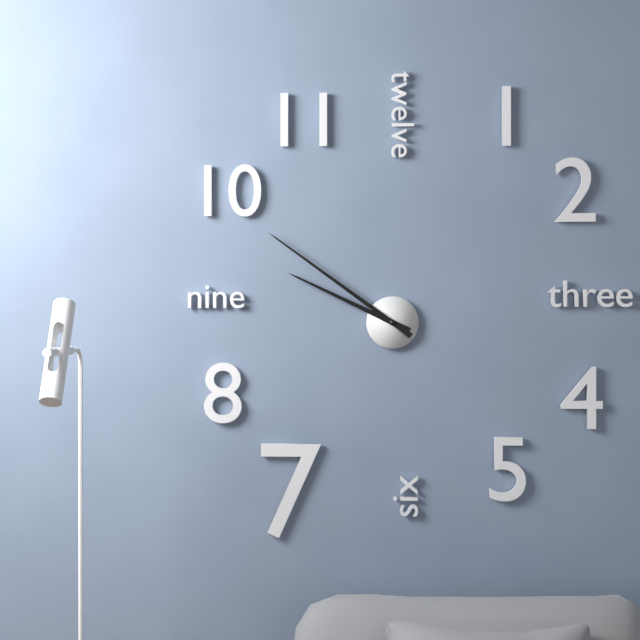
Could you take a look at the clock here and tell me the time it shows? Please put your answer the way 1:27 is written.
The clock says 9:51
